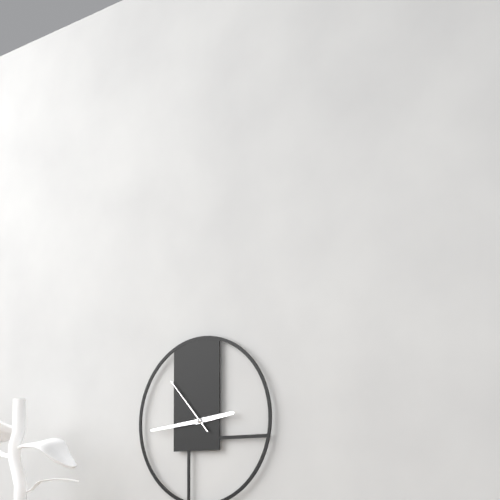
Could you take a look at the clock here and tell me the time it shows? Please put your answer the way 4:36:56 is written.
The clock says 2:44:53
